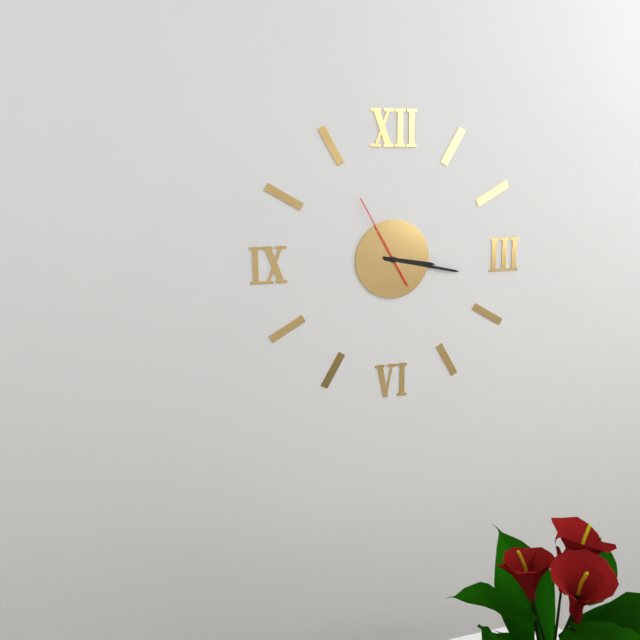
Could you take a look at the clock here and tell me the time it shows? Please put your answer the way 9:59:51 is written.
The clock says 3:17:55
